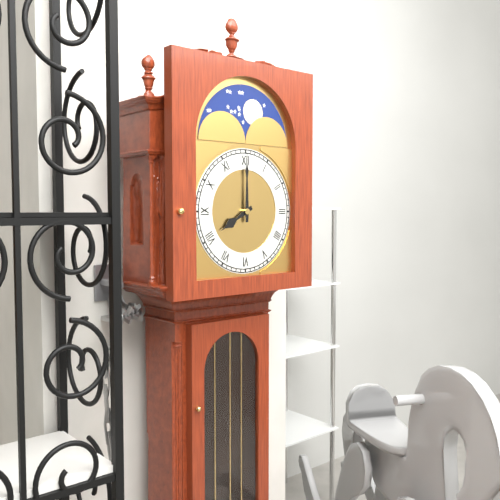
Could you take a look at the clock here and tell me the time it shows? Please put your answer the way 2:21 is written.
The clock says 8:00
